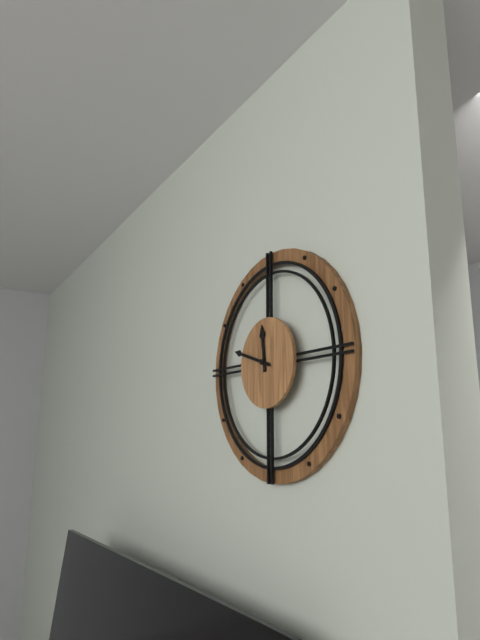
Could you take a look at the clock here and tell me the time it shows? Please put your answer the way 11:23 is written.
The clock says 11:48
